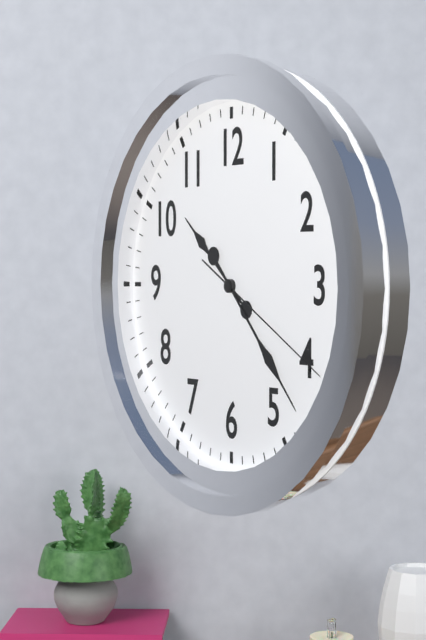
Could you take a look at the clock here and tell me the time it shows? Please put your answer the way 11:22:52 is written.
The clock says 10:23:20
